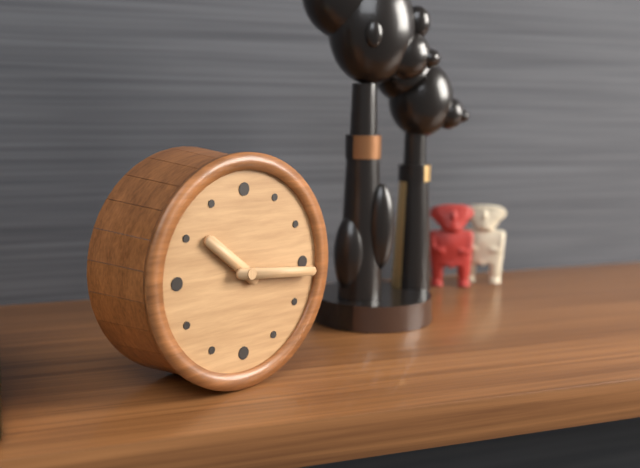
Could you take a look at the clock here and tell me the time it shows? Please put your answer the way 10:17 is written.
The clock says 10:16
